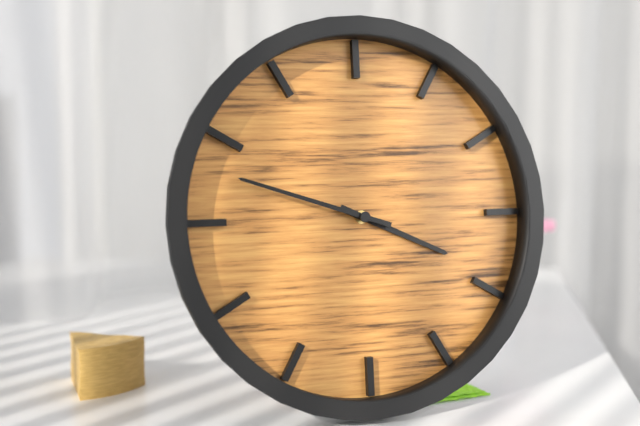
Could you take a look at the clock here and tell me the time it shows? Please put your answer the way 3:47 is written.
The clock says 3:48
